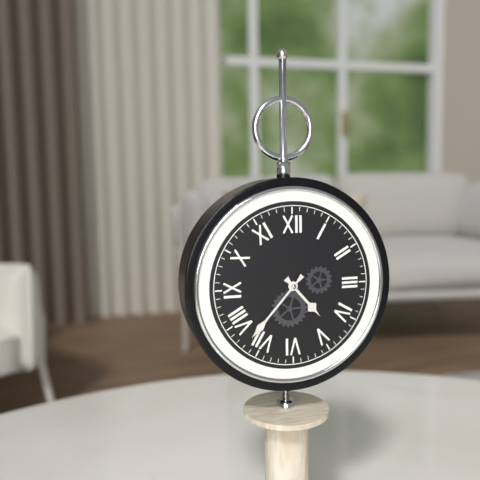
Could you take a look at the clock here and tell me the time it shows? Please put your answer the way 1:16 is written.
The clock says 4:37
